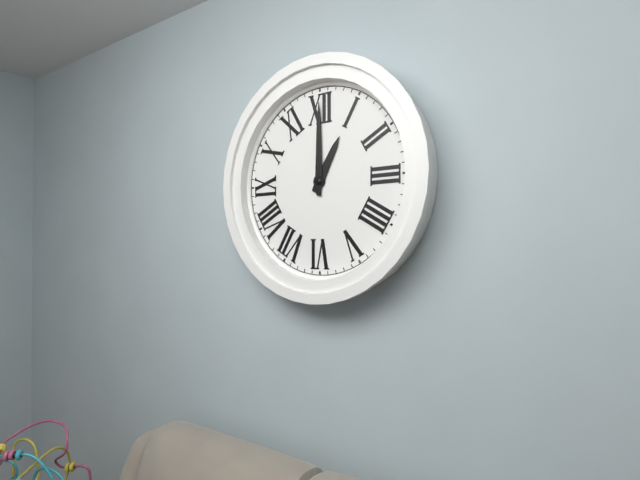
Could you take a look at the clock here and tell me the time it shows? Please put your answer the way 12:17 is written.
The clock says 1:00
